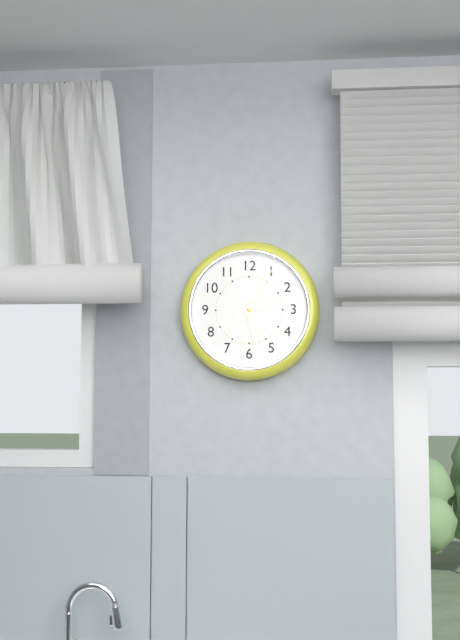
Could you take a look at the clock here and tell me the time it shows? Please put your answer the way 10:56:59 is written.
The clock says 2:28:05
